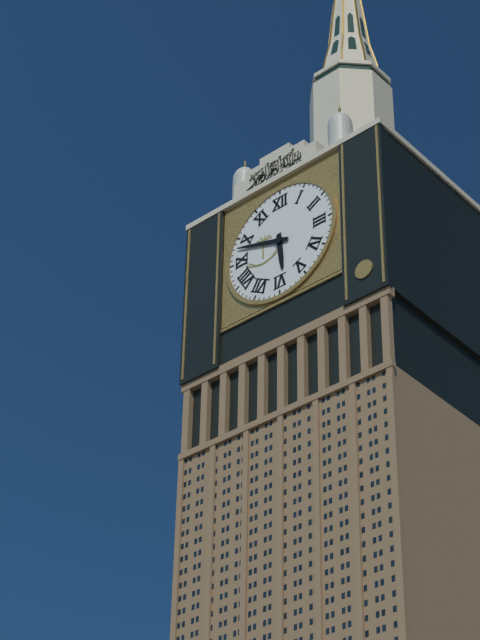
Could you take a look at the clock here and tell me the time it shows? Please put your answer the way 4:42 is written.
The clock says 5:48
